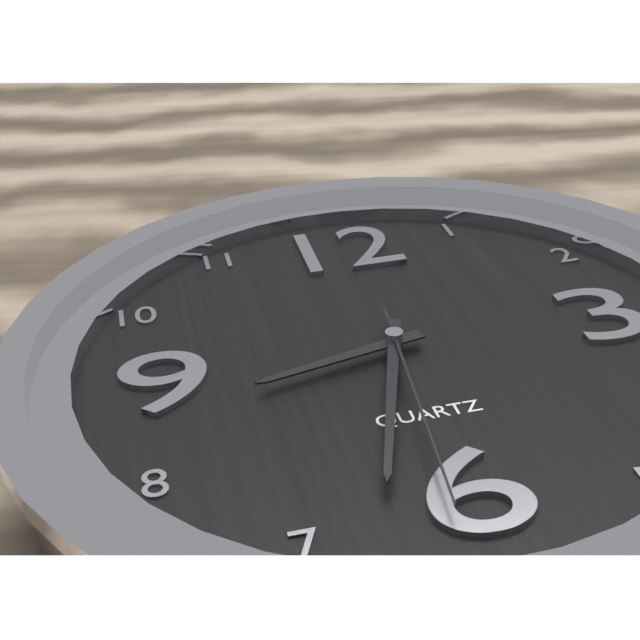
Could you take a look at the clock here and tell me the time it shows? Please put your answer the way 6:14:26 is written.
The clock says 8:33:31
